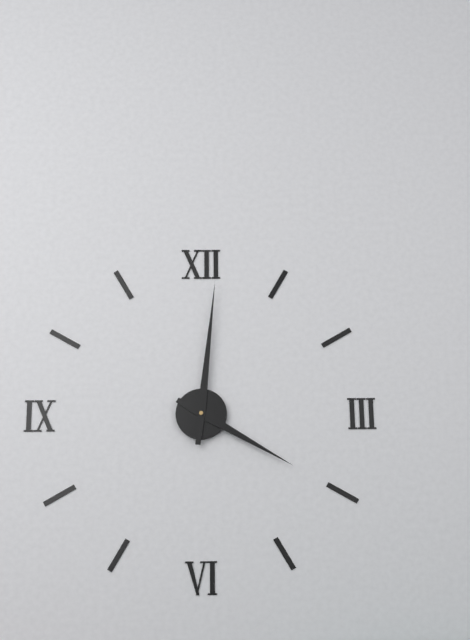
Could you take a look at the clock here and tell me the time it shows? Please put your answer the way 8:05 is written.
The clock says 4:01
